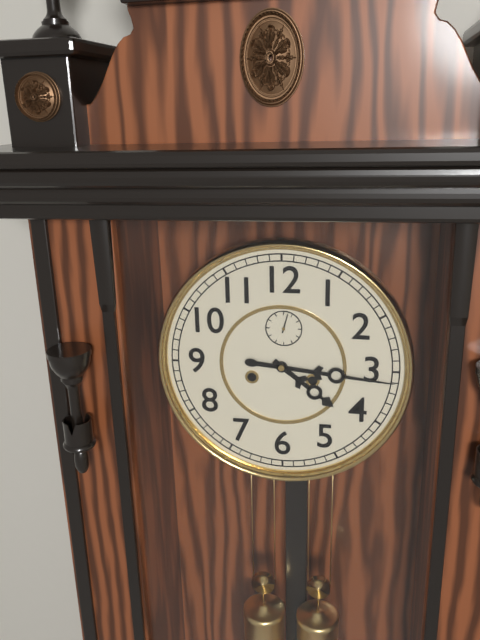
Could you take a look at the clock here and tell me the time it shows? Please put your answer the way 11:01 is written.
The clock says 4:16
